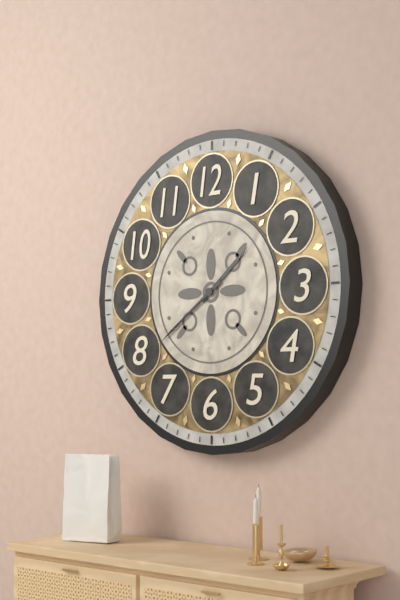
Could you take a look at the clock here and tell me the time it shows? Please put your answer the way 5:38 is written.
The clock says 1:39
